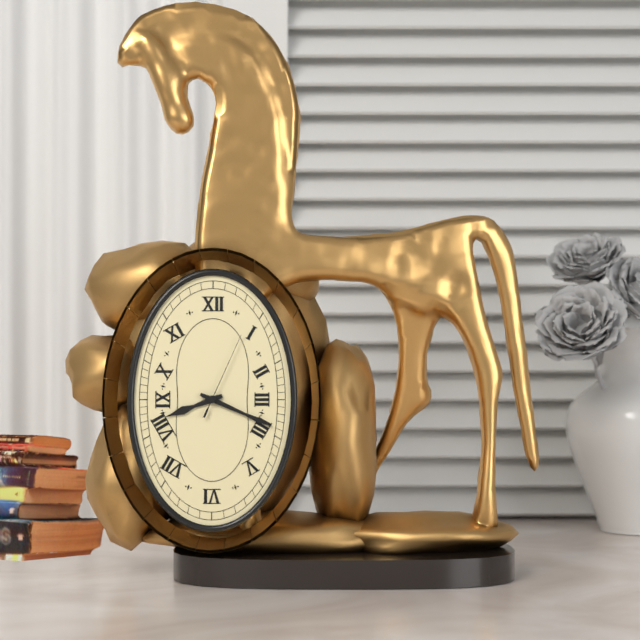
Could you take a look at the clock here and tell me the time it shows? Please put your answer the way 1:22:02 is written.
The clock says 8:19:04
